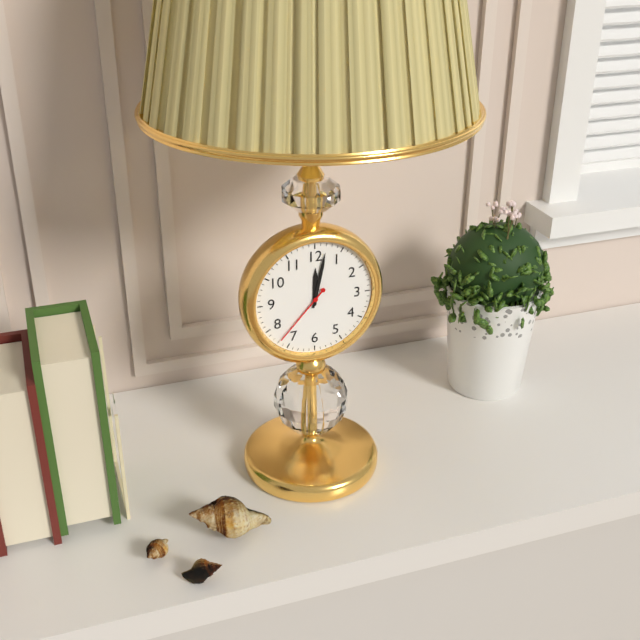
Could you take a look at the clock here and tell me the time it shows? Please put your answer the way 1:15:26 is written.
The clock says 12:02:37
